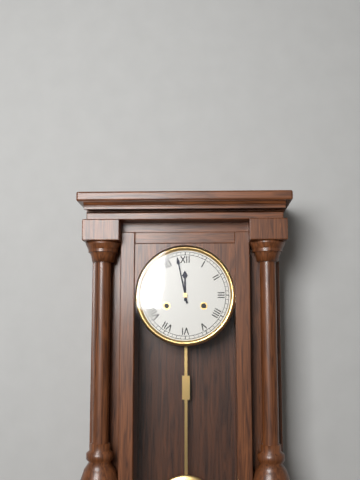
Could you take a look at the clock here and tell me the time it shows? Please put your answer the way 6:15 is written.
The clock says 11:58
